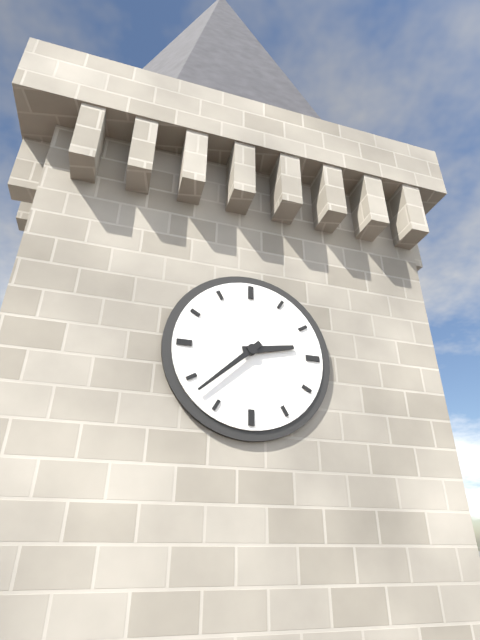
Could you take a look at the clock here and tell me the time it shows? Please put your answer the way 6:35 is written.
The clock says 2:38
